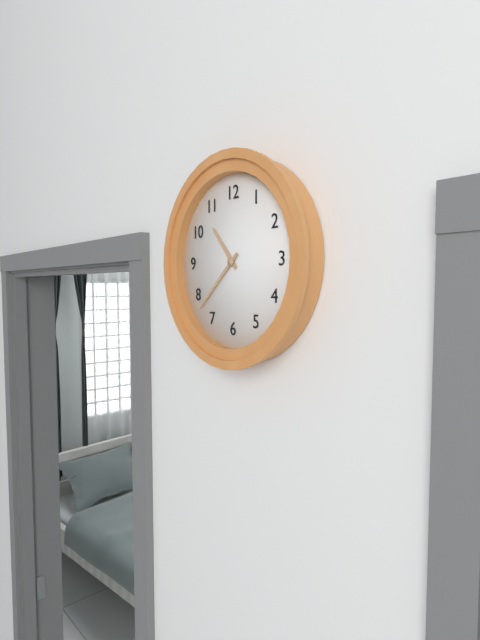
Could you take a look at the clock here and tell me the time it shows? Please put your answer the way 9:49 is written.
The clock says 10:38
